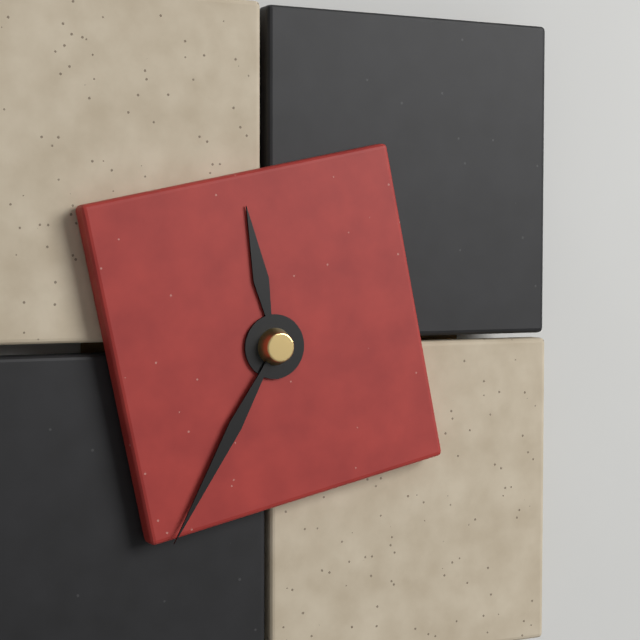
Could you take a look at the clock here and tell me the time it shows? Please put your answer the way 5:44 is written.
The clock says 11:35
